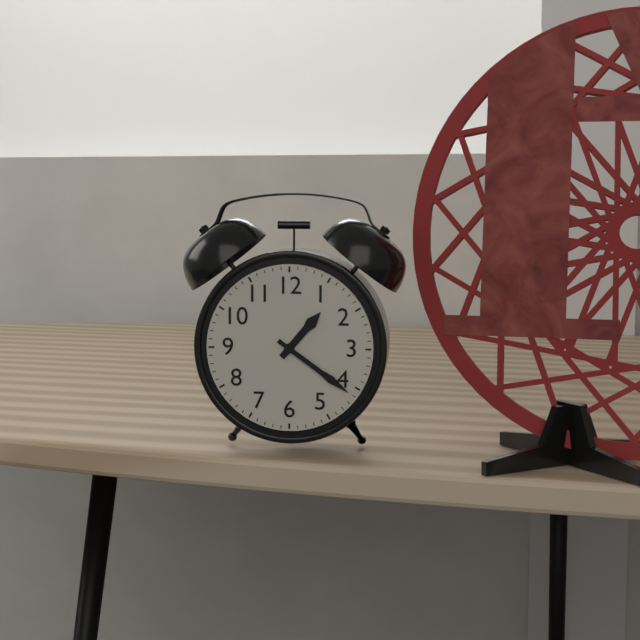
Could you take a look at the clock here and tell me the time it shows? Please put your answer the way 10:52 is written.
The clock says 1:21
